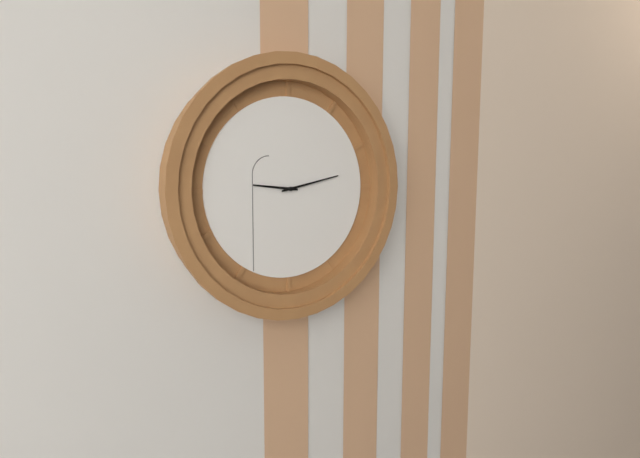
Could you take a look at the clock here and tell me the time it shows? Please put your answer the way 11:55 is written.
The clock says 9:13
